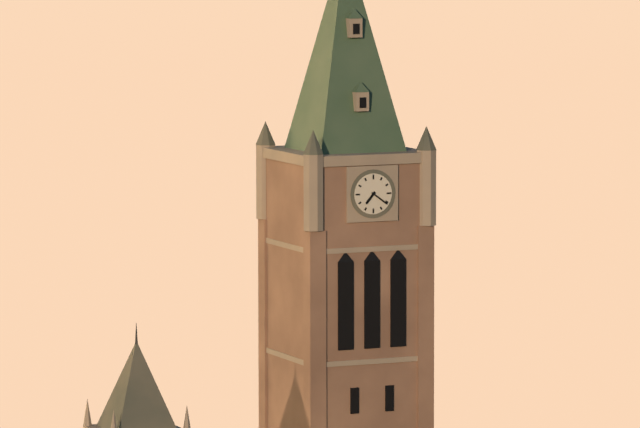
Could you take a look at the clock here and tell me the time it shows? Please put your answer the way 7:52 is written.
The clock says 7:21
